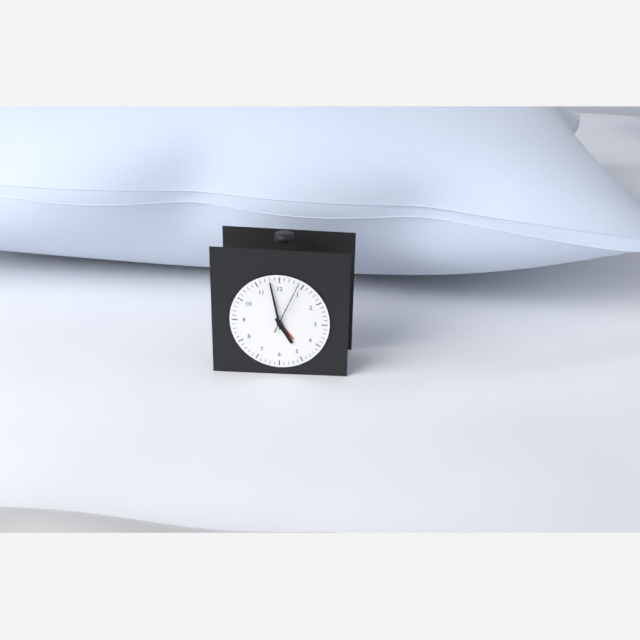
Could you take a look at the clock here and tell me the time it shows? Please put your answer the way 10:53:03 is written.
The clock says 4:58:04
